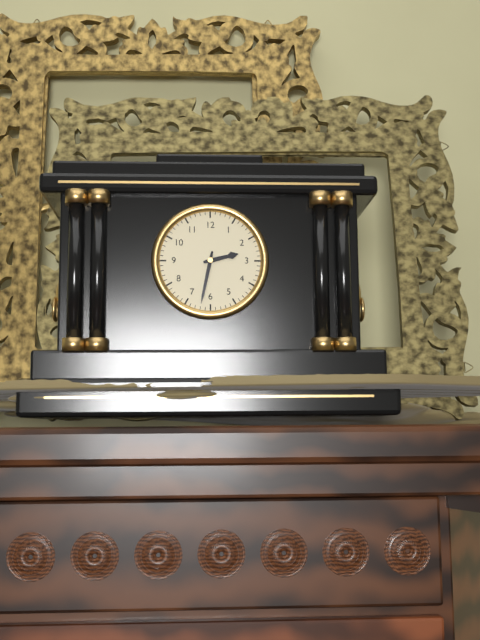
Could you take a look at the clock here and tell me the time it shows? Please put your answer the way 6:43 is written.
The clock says 2:32
